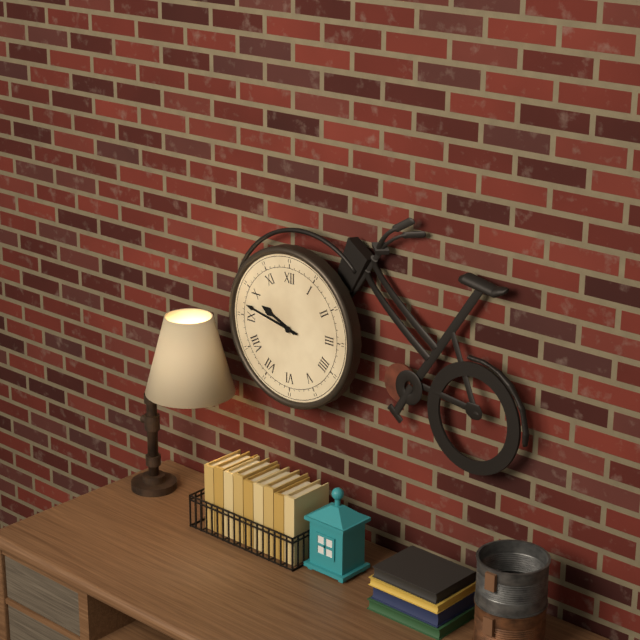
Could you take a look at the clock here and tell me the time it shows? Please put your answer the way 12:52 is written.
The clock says 9:47
